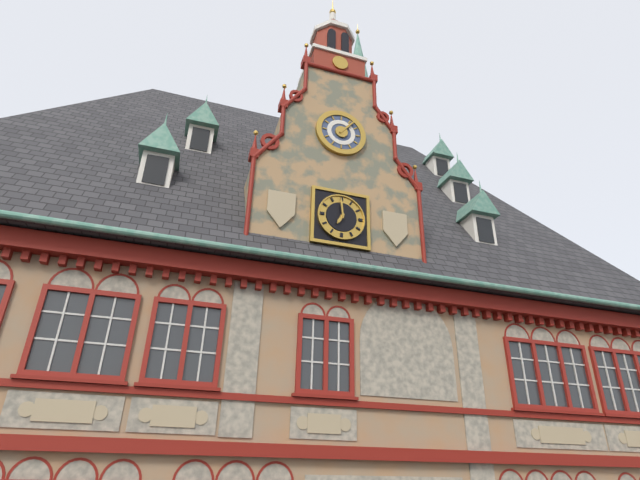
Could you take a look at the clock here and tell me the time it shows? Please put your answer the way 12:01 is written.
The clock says 6:59
